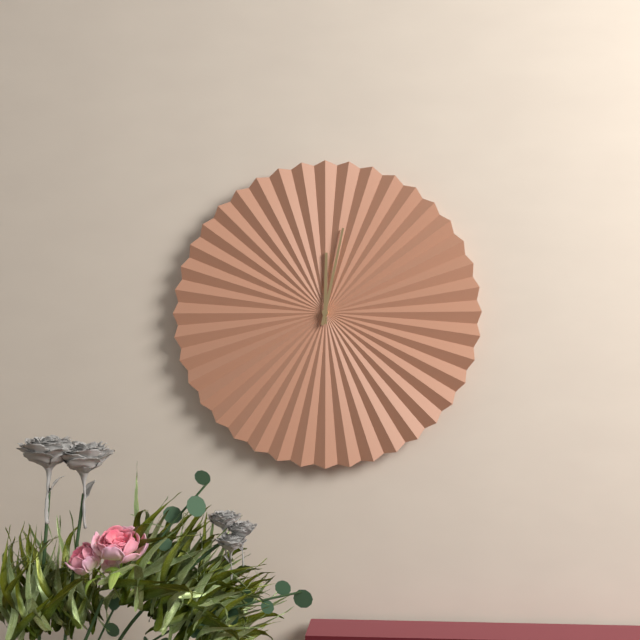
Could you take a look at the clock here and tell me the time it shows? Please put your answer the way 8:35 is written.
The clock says 12:02
